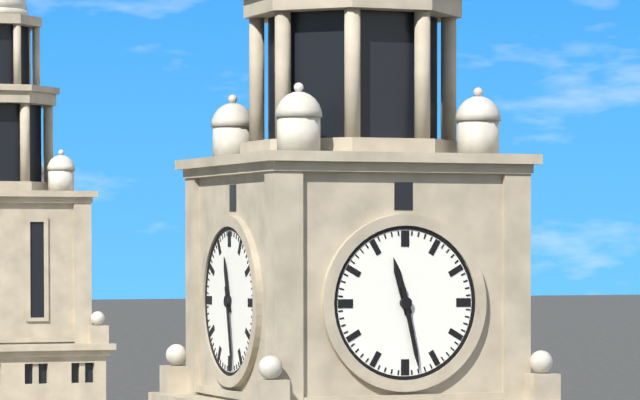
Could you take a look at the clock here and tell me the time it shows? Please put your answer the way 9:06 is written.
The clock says 11:28
